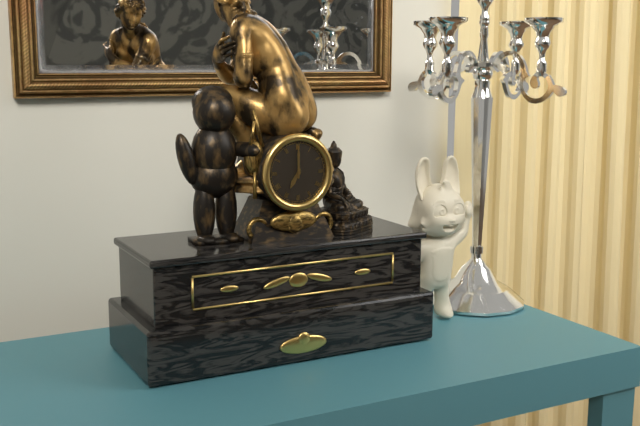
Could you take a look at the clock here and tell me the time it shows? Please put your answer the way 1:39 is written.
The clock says 7:00
